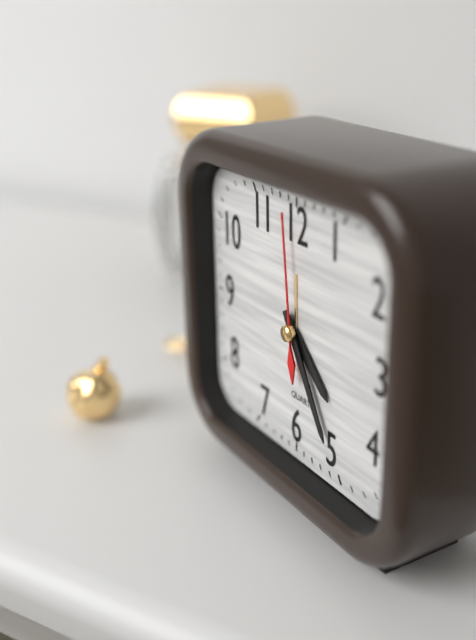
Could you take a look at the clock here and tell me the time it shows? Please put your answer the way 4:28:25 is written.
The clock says 4:25:59
